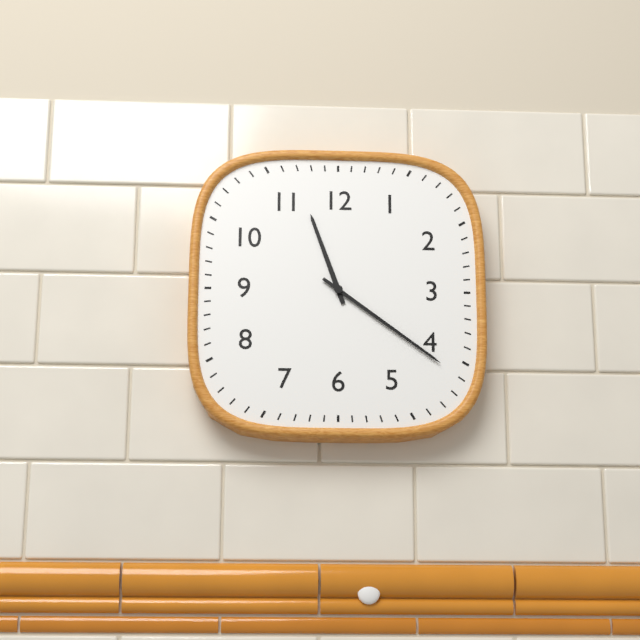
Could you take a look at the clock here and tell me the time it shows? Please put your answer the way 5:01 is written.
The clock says 11:21
